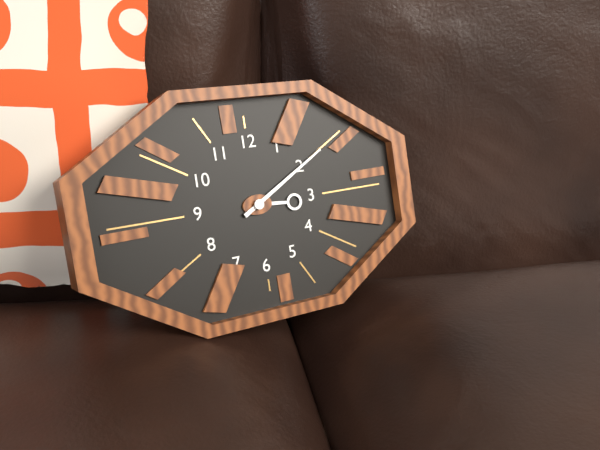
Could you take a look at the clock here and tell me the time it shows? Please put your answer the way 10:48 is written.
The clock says 3:10
